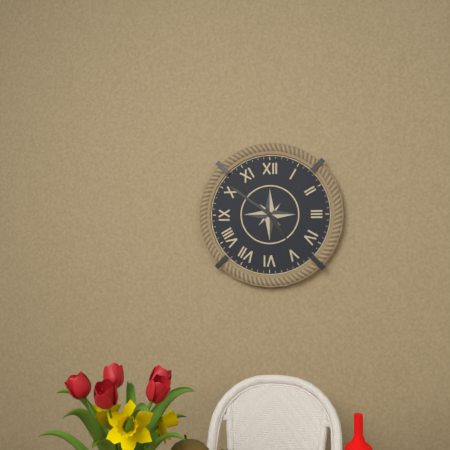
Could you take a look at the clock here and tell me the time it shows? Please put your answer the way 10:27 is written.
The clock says 4:51
